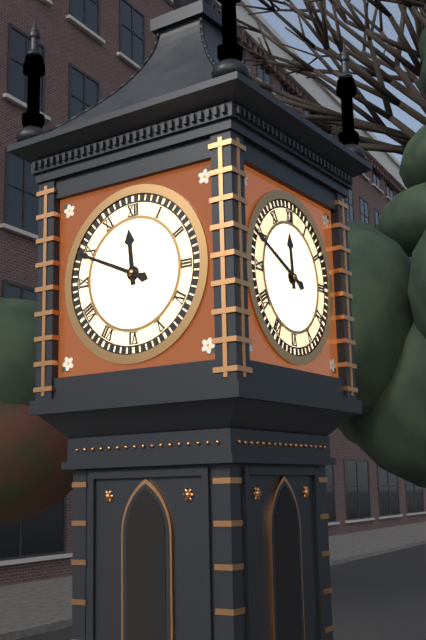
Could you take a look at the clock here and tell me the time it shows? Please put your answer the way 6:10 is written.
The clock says 11:49
